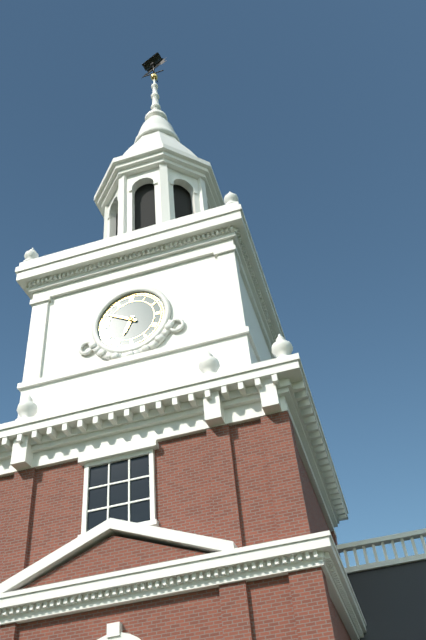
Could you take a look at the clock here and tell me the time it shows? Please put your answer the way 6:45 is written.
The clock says 6:50
